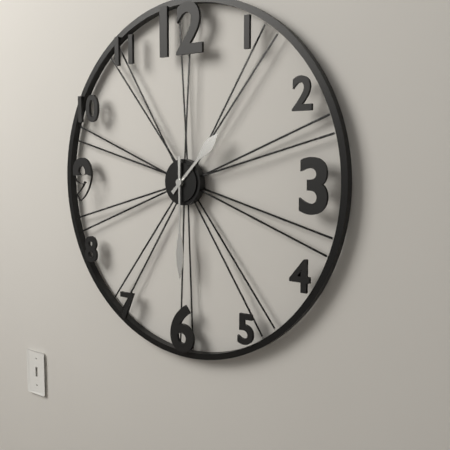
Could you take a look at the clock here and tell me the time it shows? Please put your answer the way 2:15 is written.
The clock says 1:30
